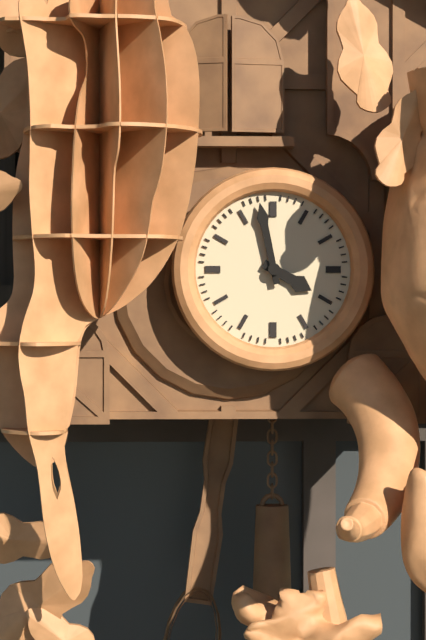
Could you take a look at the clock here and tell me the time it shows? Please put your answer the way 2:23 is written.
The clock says 3:58
